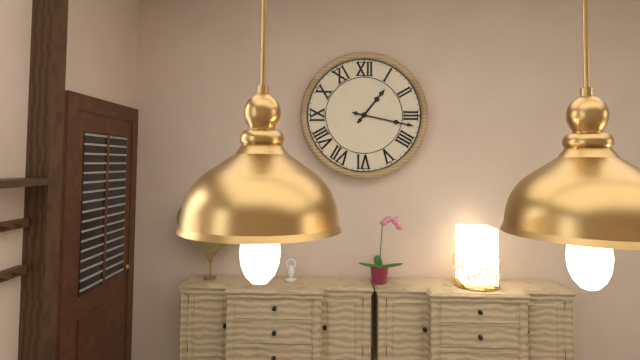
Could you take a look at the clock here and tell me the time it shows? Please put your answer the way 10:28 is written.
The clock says 1:17
